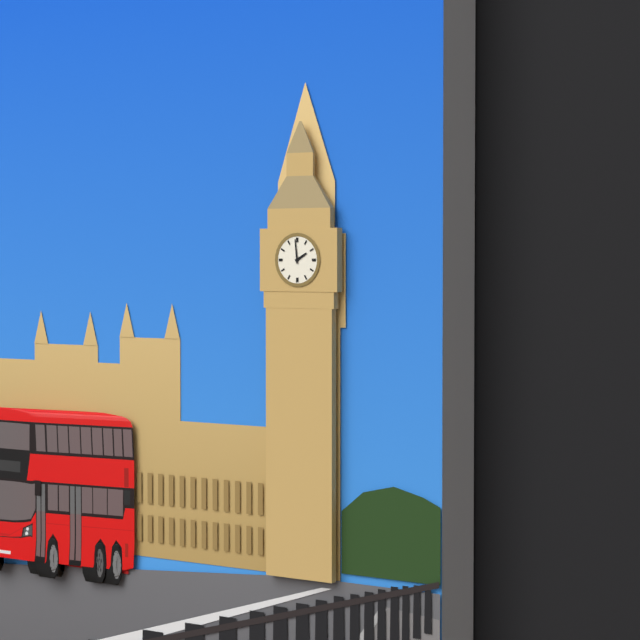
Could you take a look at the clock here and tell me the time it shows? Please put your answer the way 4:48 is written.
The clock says 1:59
